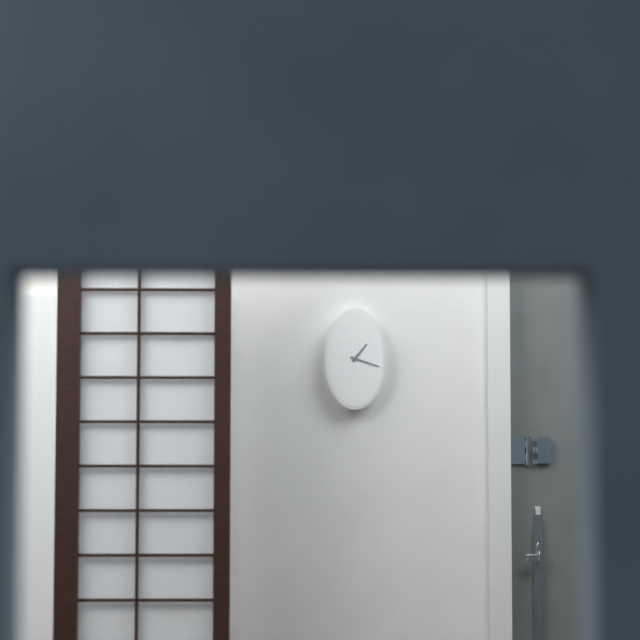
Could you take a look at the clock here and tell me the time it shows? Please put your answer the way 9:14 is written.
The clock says 1:18
